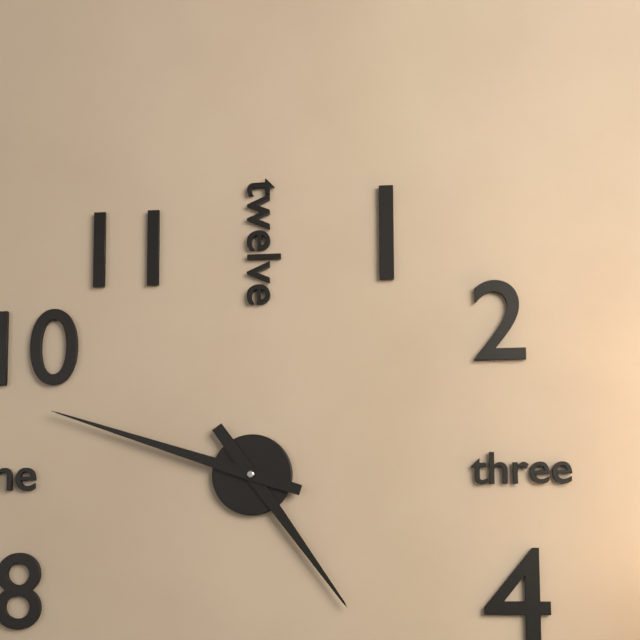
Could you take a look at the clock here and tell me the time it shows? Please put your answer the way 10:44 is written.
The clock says 4:48
